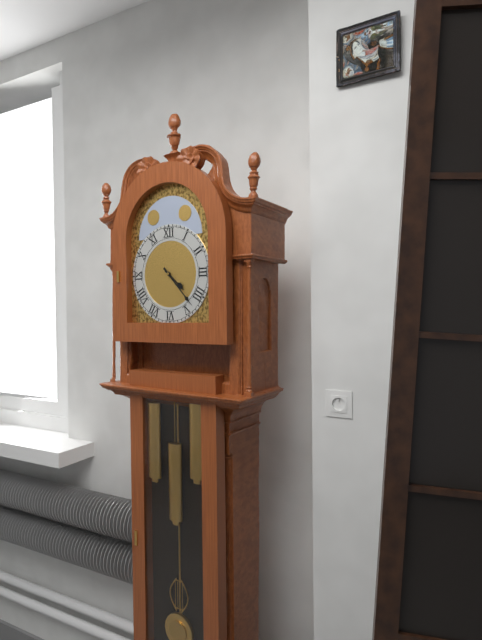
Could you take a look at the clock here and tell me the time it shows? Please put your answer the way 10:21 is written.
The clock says 4:23
